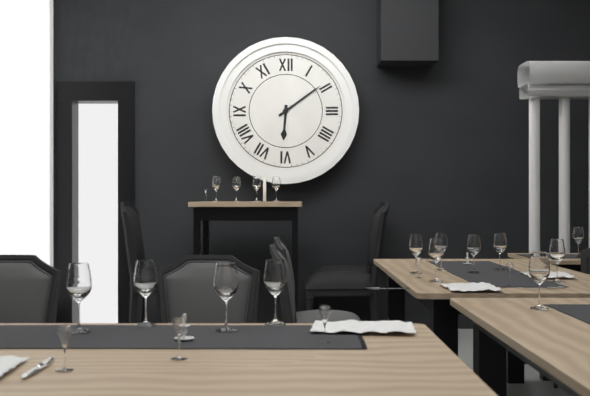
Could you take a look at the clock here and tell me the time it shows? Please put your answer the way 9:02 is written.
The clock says 6:09
